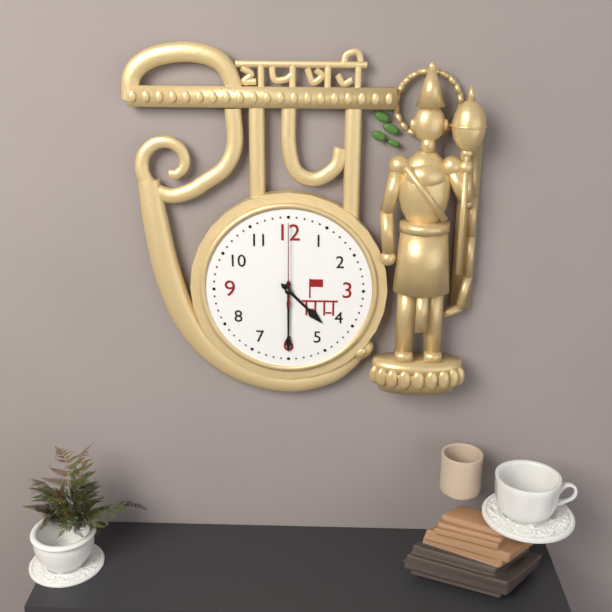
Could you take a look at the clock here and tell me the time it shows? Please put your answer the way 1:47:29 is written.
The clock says 4:30:00
